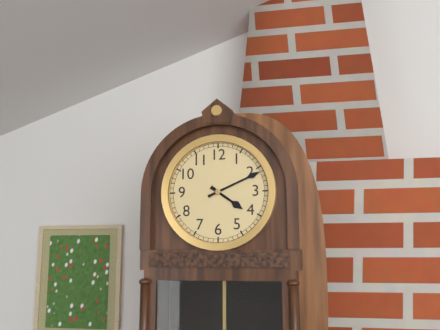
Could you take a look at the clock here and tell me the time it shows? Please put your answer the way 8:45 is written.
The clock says 4:11
